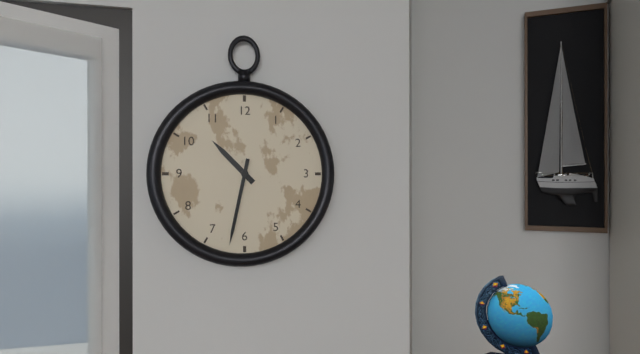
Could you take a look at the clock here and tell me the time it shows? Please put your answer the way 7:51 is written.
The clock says 10:32
